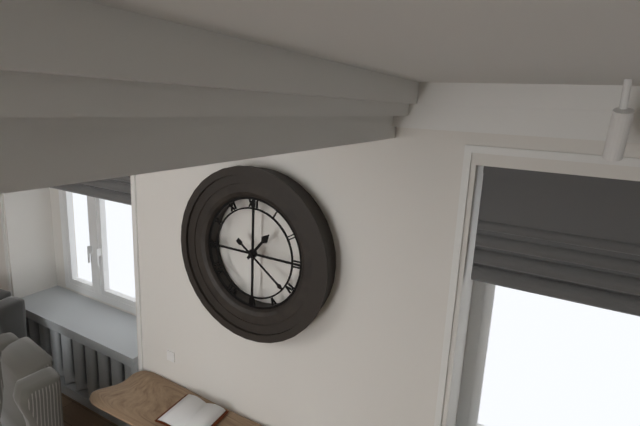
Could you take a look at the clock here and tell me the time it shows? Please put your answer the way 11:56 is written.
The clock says 1:21
